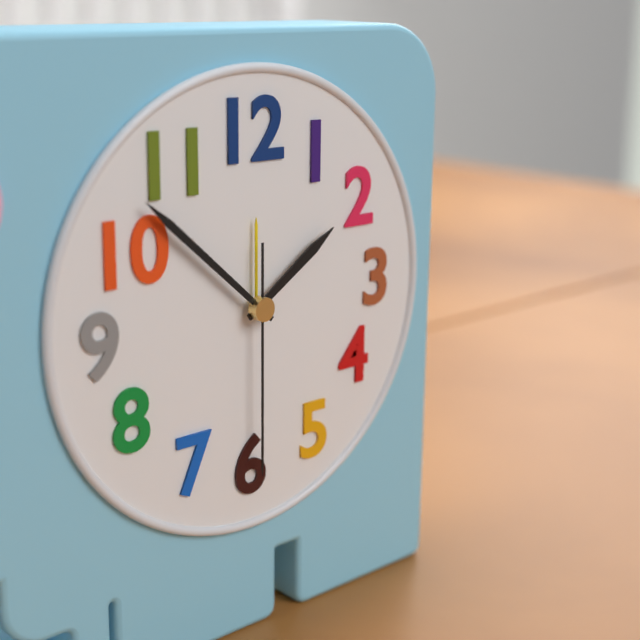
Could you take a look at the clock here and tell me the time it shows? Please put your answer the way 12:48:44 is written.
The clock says 1:52:30
